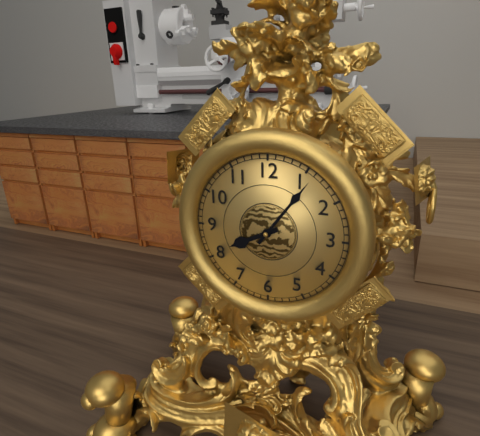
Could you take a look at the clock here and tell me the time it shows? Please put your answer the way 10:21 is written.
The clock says 8:06
